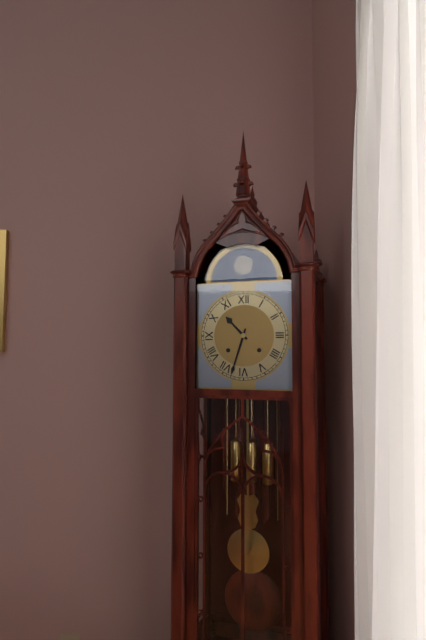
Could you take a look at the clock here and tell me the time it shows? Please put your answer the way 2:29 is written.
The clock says 10:33
